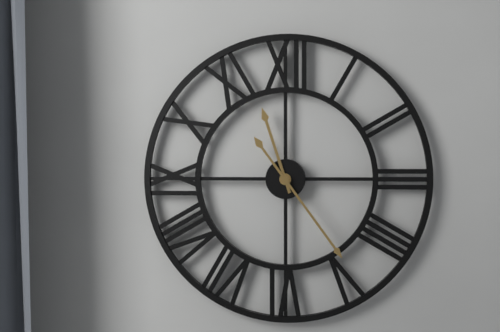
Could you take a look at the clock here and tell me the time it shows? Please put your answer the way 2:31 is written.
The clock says 11:24
